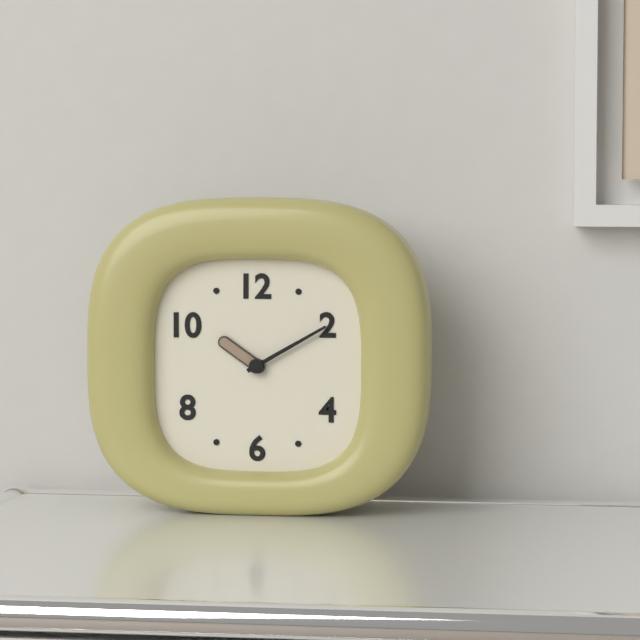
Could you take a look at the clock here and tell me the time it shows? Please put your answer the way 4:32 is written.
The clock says 10:10
